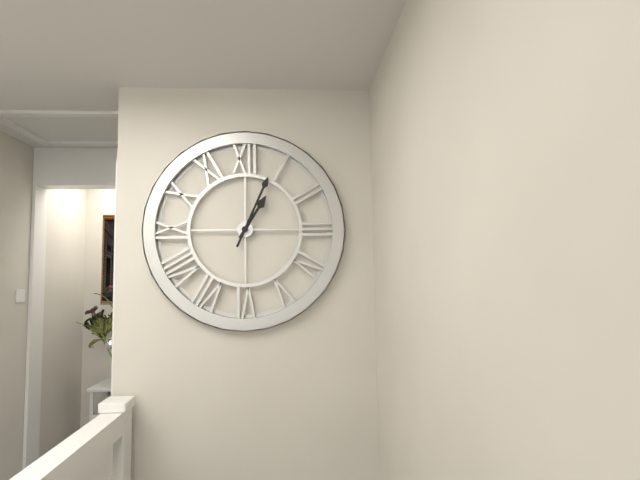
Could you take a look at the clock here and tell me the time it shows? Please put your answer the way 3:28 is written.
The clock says 1:04
